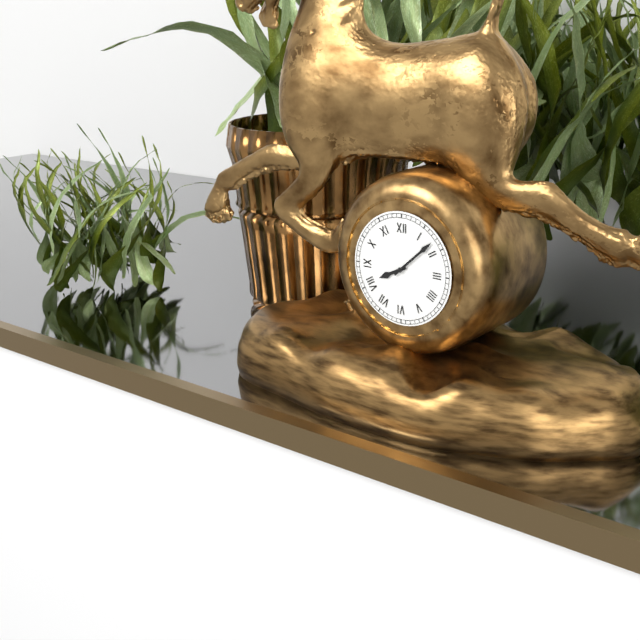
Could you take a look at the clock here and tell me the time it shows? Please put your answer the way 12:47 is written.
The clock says 8:08
